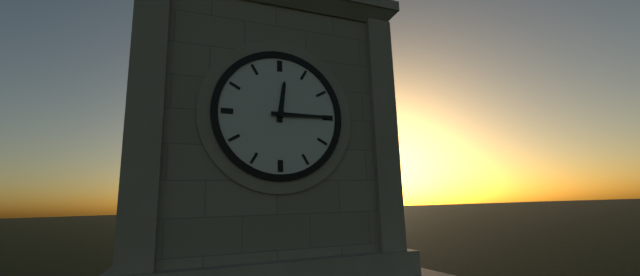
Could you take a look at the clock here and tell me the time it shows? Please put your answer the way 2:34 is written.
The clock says 12:15
